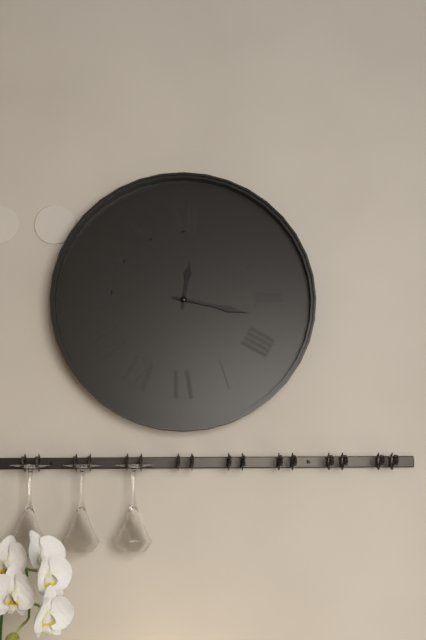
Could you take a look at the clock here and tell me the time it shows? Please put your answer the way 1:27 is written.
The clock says 12:17
